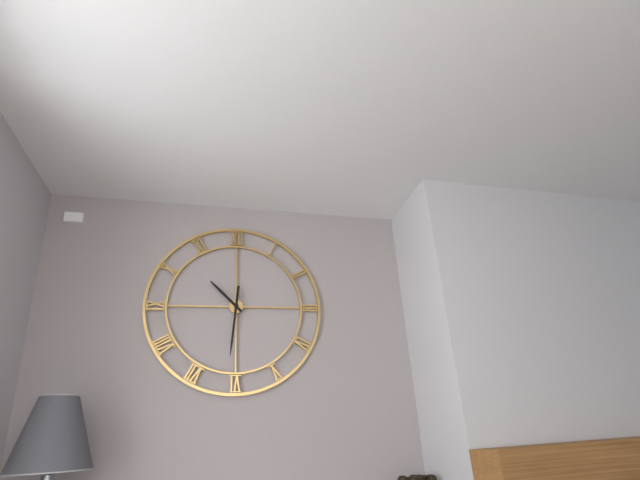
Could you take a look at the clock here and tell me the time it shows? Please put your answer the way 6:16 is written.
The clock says 10:31
